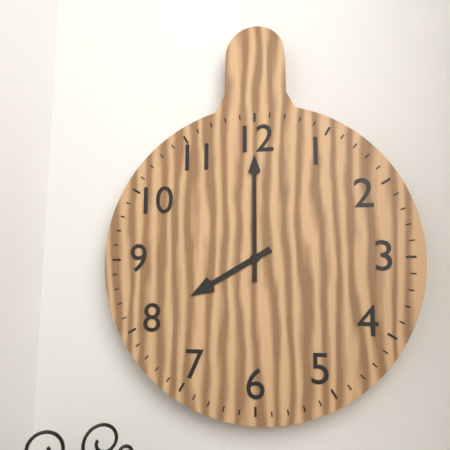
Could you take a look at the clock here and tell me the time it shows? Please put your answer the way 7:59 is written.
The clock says 8:00
